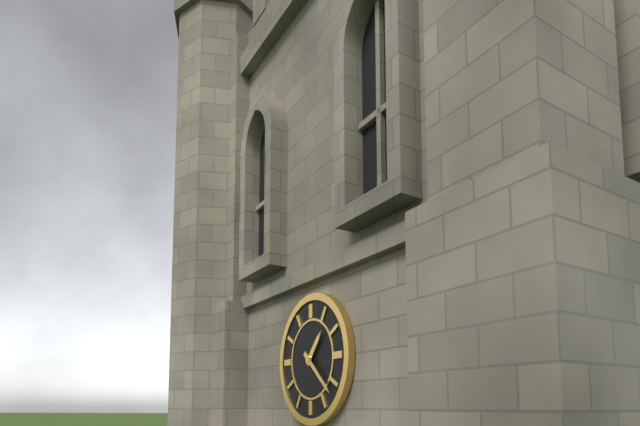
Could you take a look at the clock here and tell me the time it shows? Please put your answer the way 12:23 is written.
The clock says 1:22
